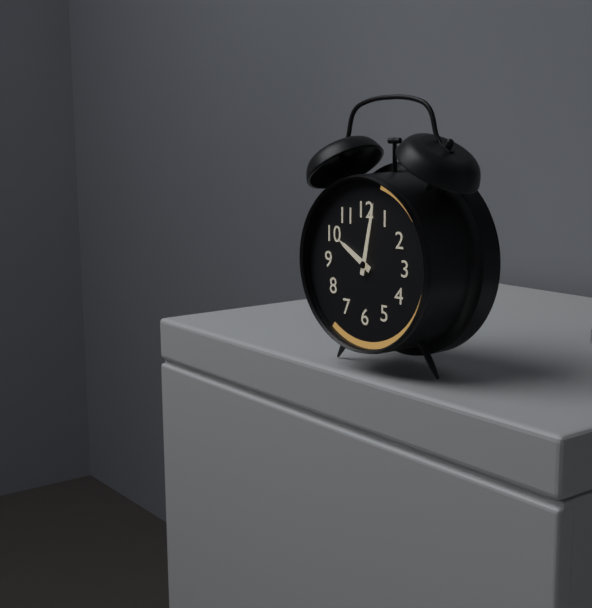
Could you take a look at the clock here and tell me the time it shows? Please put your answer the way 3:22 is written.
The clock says 10:02
